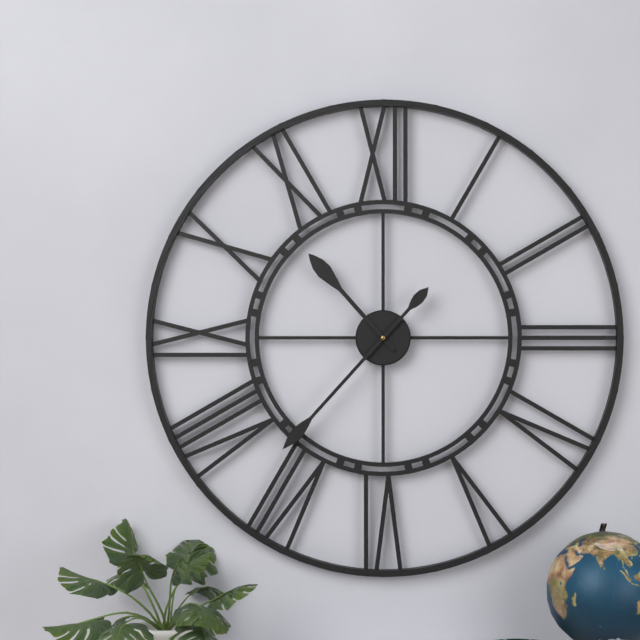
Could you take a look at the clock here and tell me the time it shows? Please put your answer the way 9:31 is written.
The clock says 10:37
